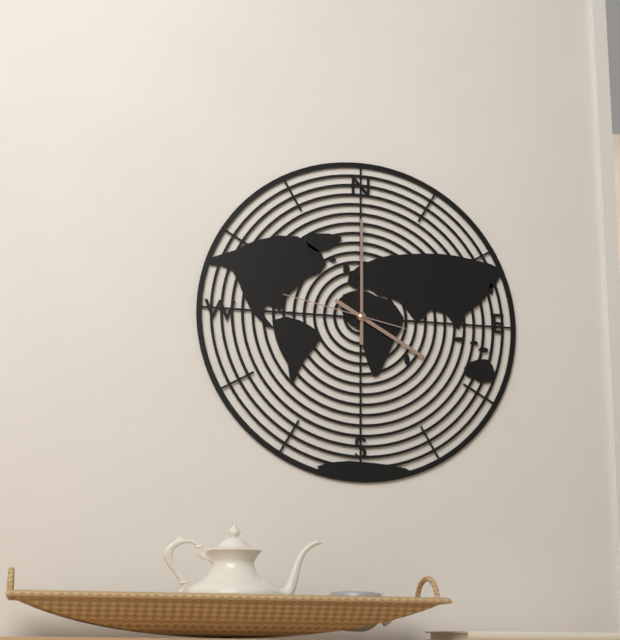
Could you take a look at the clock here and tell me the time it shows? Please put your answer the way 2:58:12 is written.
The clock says 4:00:47
